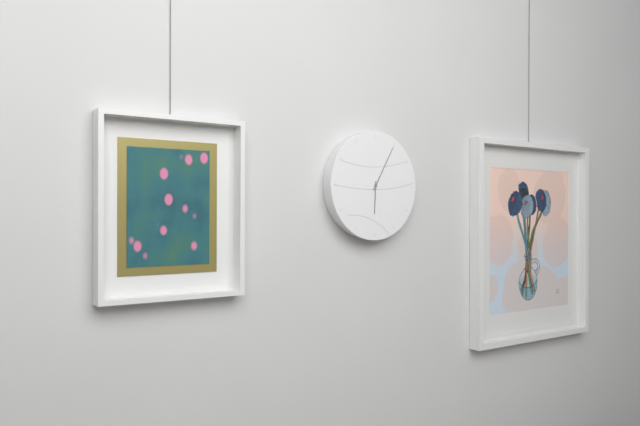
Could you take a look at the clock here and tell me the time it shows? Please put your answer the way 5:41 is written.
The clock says 6:05
